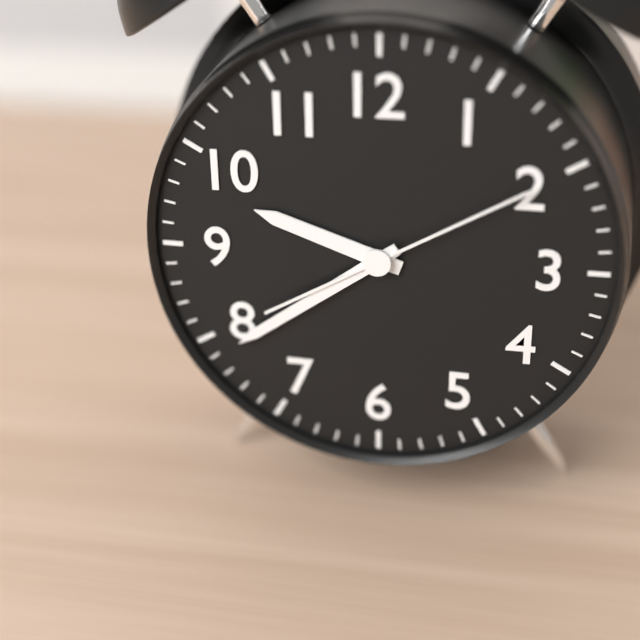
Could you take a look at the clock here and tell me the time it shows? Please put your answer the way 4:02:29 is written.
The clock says 9:39:10
